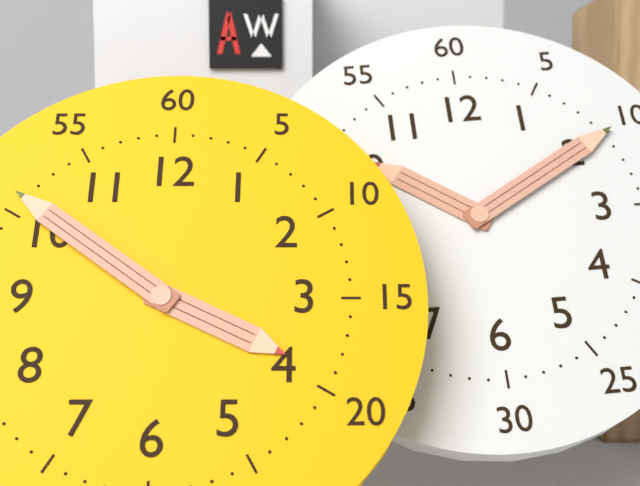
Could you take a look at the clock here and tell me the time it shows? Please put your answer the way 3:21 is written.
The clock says 3:51
